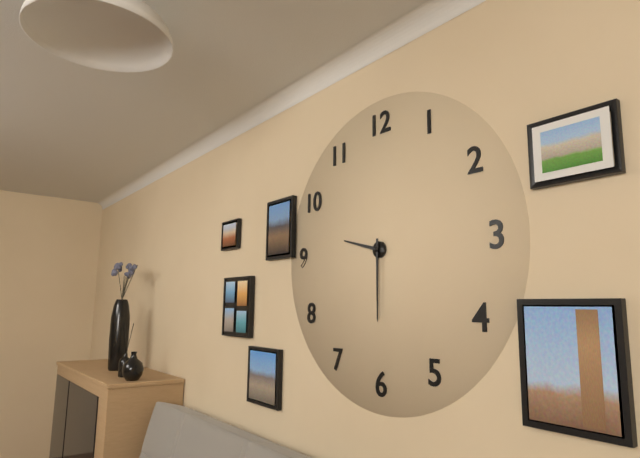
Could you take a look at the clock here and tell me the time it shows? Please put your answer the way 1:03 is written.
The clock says 9:30
